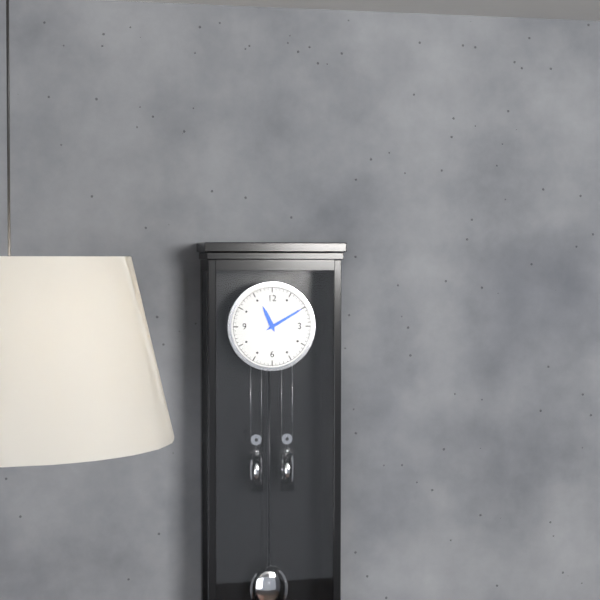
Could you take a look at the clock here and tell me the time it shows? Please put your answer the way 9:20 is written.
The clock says 11:10
